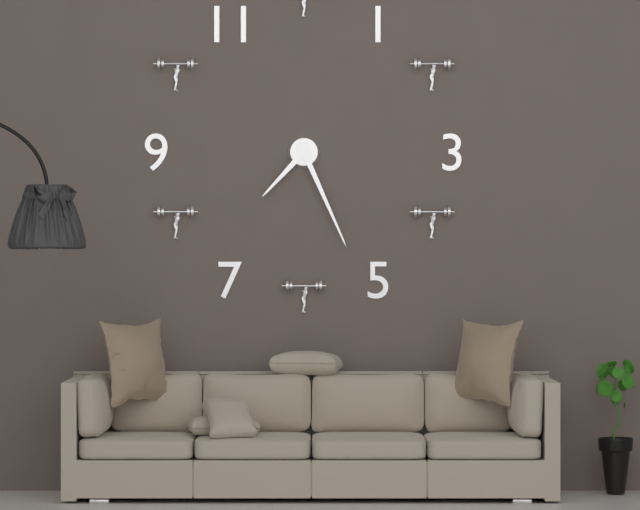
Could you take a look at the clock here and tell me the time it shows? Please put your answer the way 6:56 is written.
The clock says 7:26
